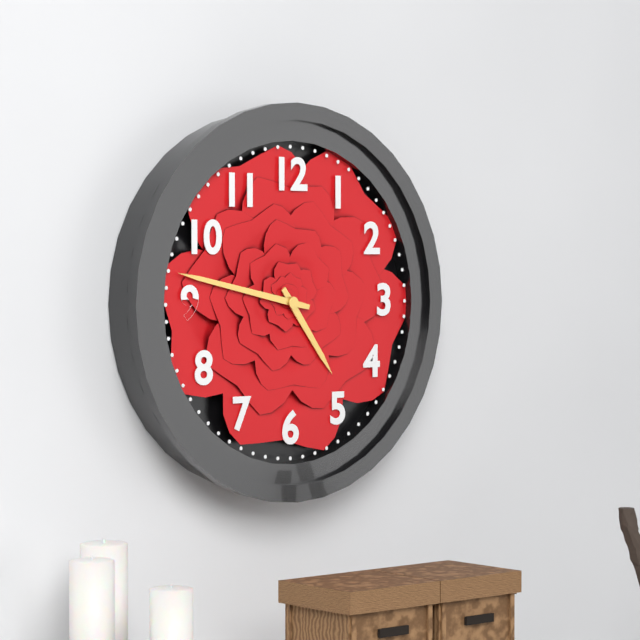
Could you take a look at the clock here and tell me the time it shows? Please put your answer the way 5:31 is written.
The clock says 4:47
